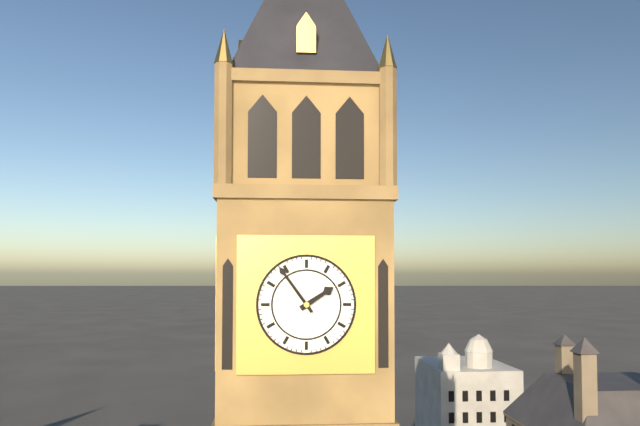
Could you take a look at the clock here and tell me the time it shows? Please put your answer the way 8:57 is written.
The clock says 1:54
